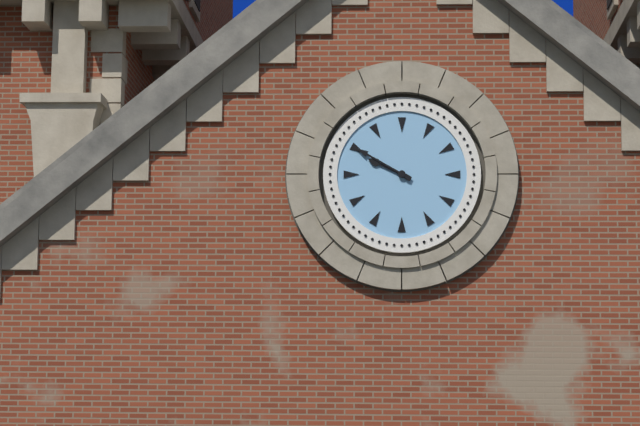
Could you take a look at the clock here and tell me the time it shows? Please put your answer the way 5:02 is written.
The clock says 9:50
